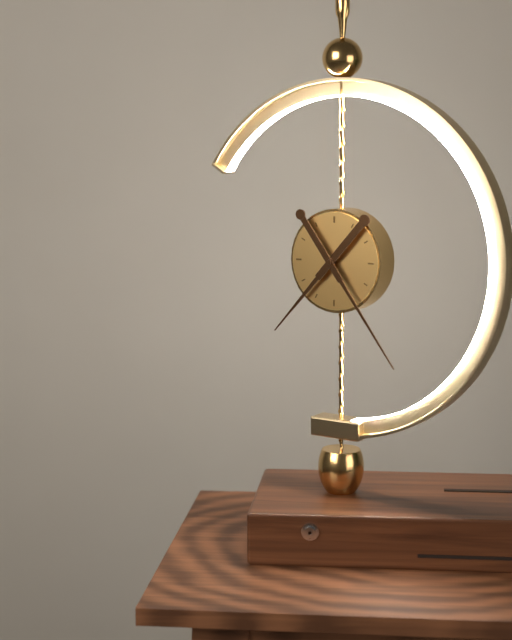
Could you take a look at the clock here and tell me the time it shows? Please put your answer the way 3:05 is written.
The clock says 7:24
